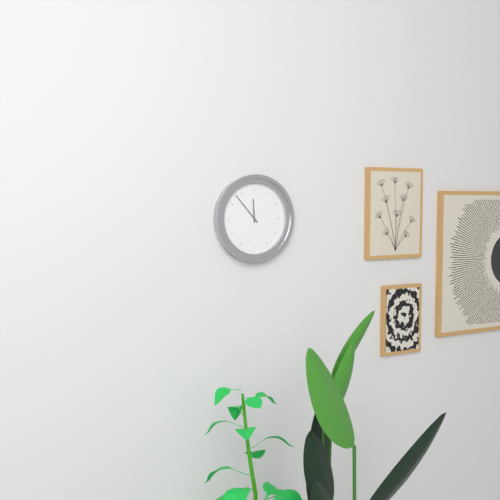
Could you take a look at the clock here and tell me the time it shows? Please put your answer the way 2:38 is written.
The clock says 11:53
